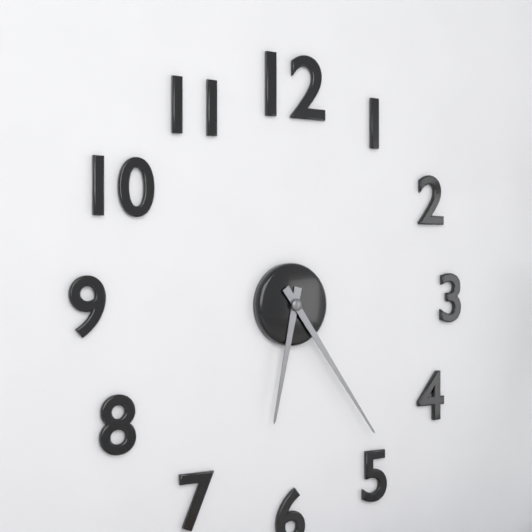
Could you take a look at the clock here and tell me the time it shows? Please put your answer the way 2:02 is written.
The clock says 6:24
